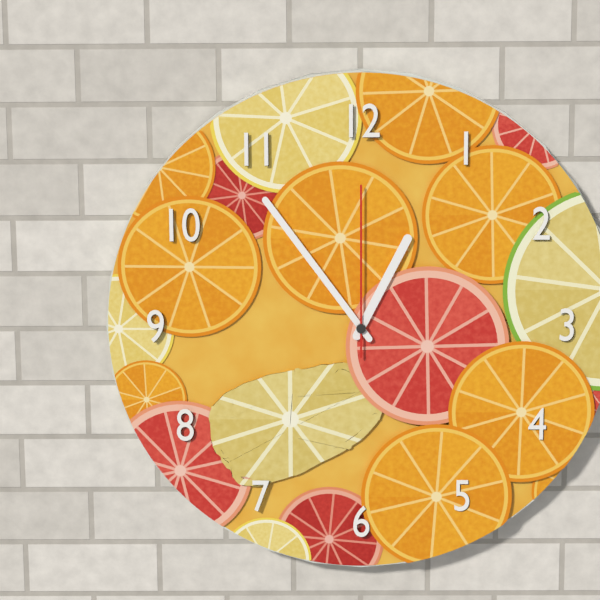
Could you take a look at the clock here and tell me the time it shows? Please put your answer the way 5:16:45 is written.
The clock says 12:54:00
